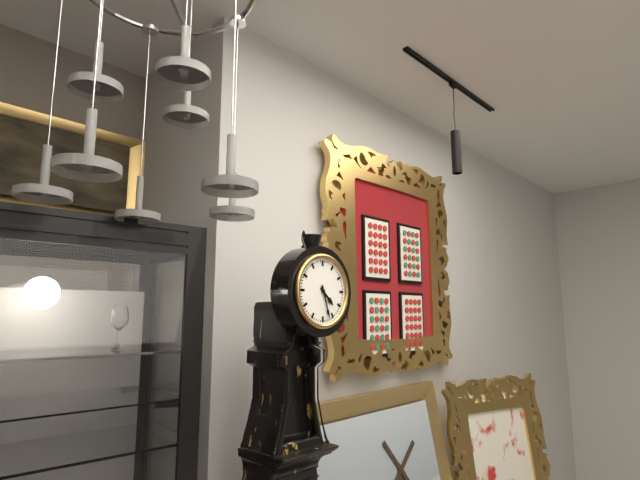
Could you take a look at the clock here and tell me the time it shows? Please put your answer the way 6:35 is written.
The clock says 4:27
